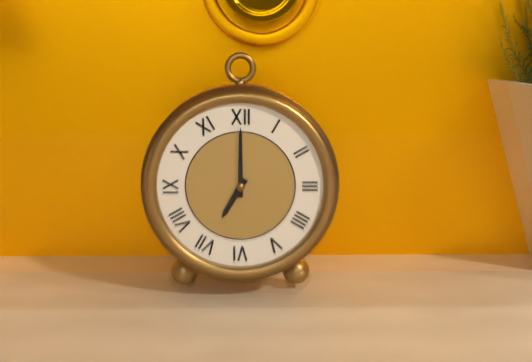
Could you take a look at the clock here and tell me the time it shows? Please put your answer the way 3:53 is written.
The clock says 7:00
